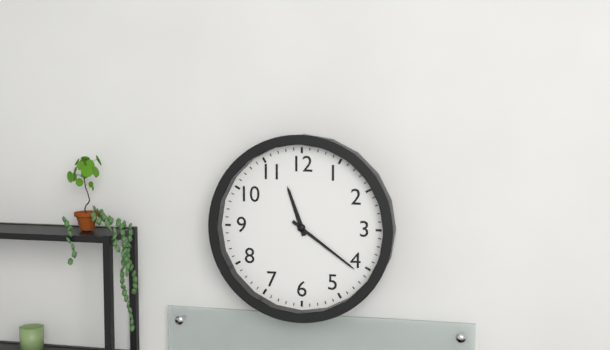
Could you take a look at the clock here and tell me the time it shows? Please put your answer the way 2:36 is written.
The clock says 11:21
